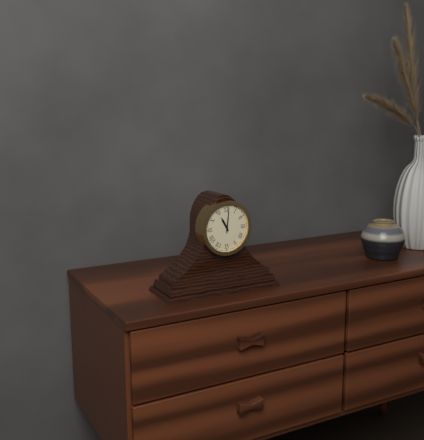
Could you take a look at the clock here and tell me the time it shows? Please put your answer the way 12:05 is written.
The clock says 11:01
